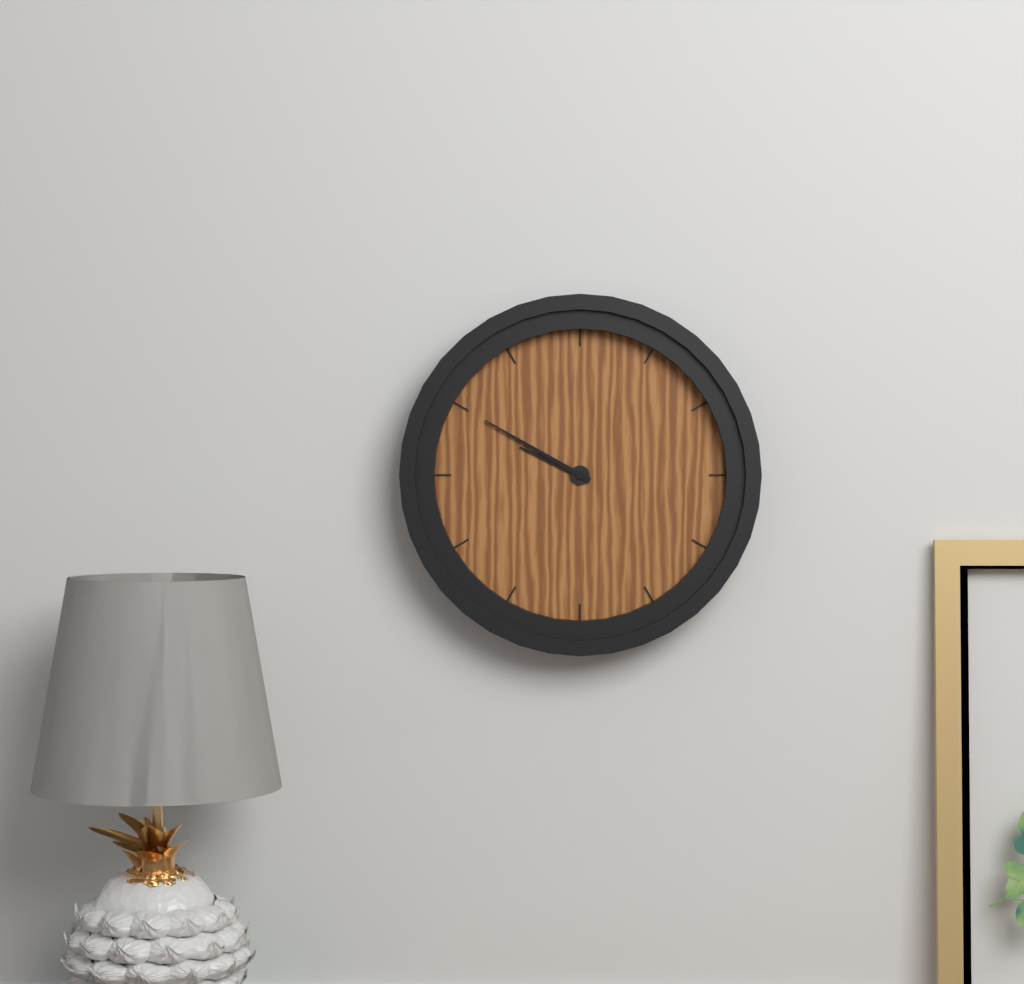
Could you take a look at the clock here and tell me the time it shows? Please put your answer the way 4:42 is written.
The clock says 9:50
